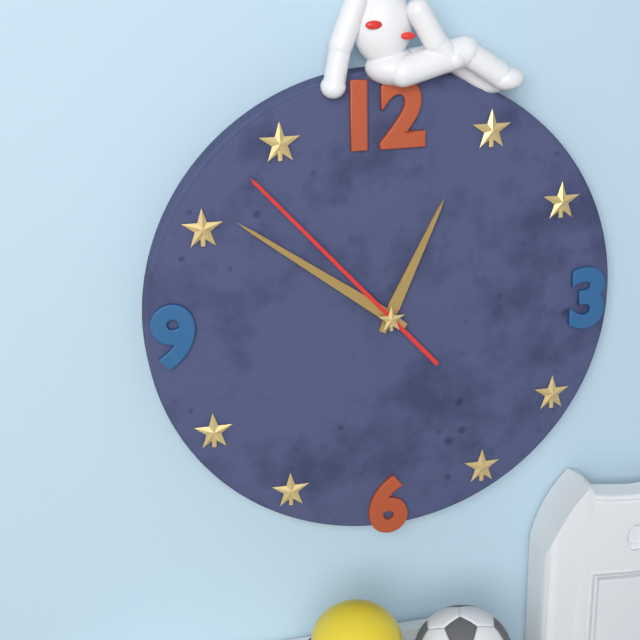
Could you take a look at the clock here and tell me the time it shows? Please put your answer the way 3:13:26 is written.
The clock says 12:51:53
